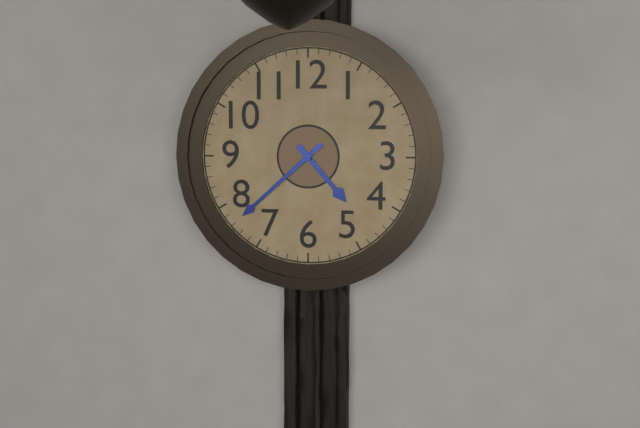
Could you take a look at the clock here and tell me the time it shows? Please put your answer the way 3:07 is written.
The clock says 4:38
